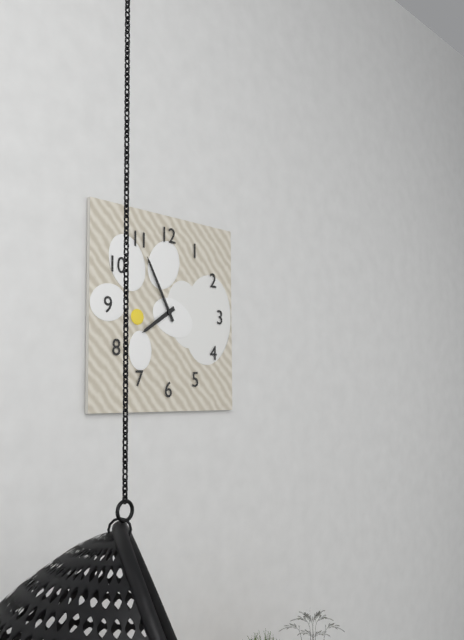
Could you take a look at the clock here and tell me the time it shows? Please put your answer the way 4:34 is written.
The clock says 7:55
